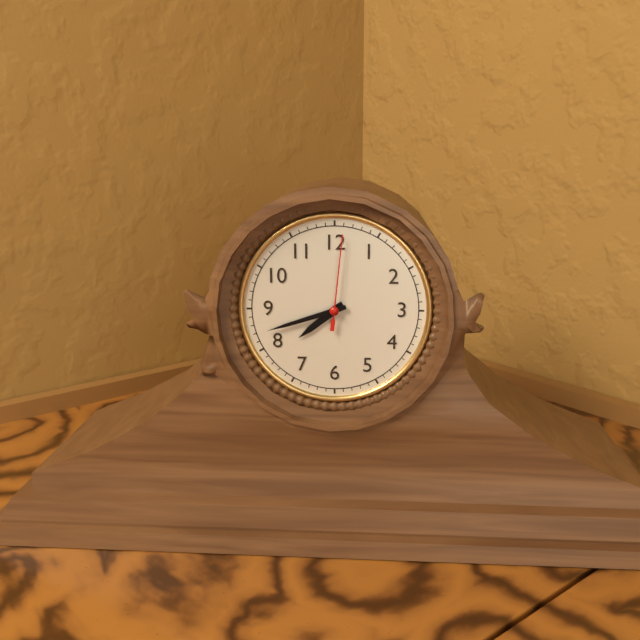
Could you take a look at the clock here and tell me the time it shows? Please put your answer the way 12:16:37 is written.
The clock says 7:42:01
